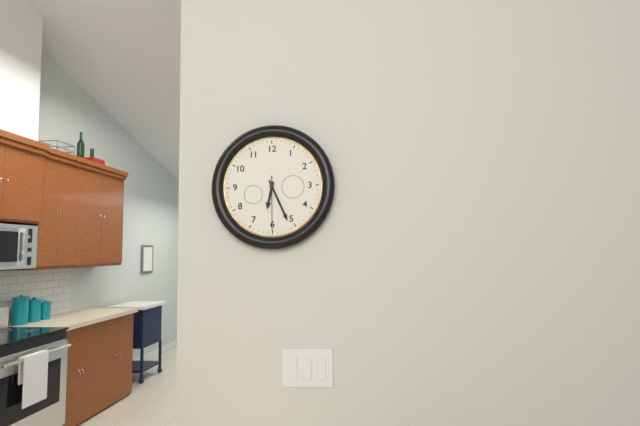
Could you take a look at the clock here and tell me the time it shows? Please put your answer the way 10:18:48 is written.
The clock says 6:26:30
